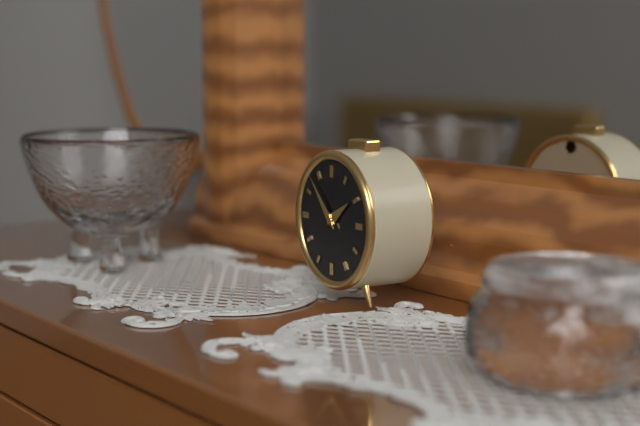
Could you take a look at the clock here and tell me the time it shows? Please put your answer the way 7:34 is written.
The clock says 1:53
